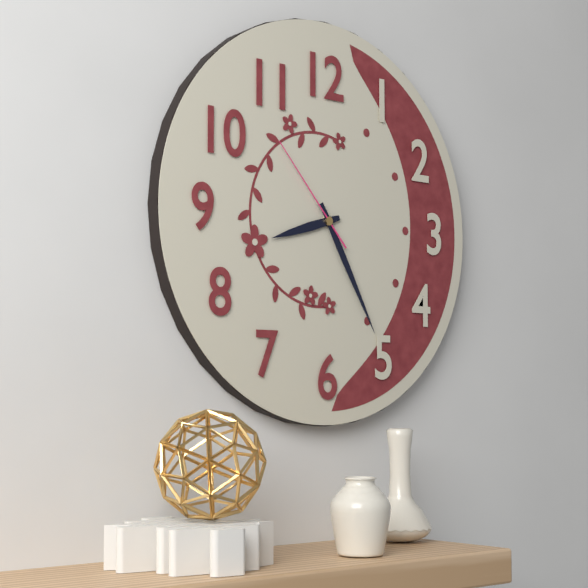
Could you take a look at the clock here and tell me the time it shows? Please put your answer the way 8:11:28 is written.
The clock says 8:25:53
